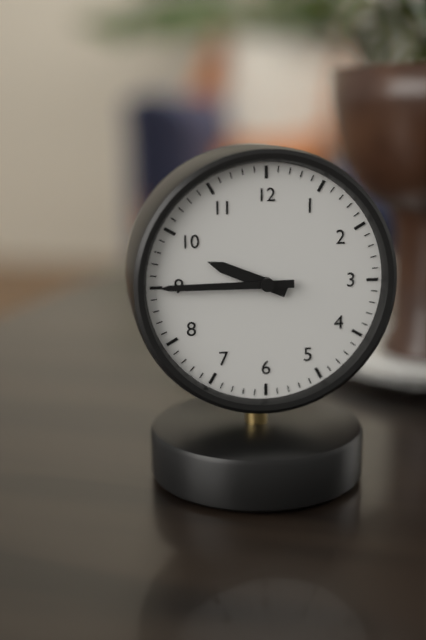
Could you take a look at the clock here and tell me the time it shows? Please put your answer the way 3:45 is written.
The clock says 9:45
